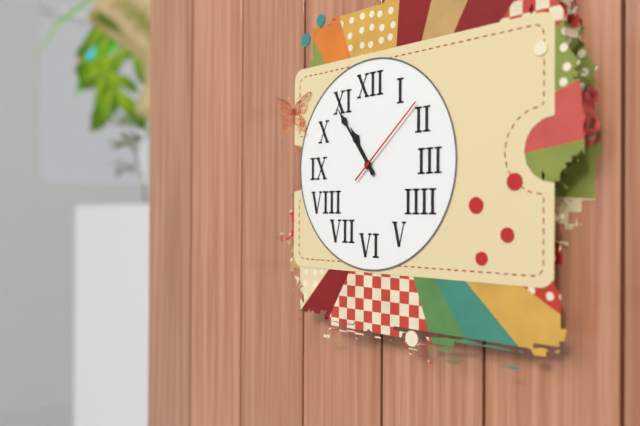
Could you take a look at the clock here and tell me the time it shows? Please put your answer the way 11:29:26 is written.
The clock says 10:54:08
